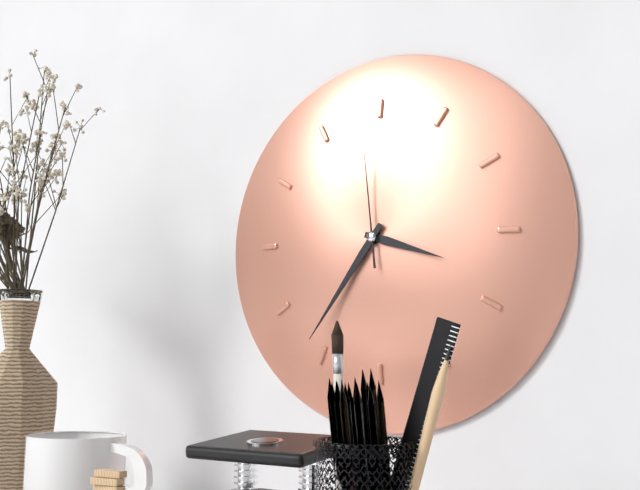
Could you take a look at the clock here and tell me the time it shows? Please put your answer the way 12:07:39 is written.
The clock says 3:36:59
